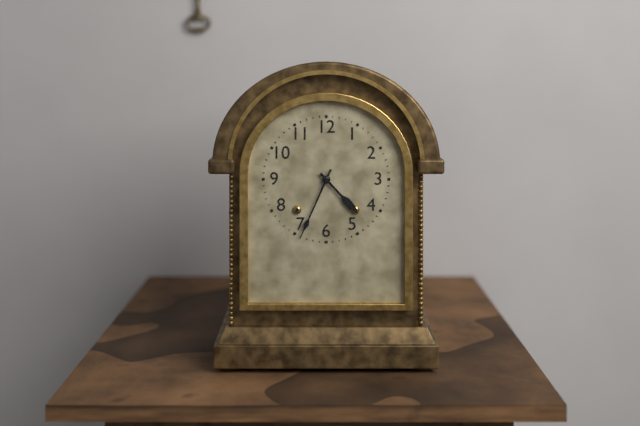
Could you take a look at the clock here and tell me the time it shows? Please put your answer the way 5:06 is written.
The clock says 4:34
